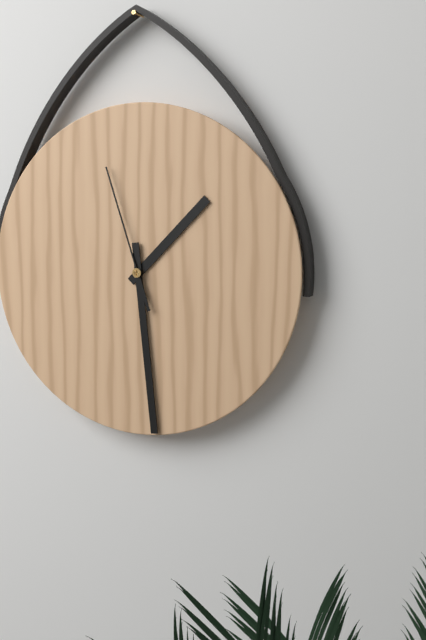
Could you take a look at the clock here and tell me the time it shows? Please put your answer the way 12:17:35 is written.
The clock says 1:29:57
